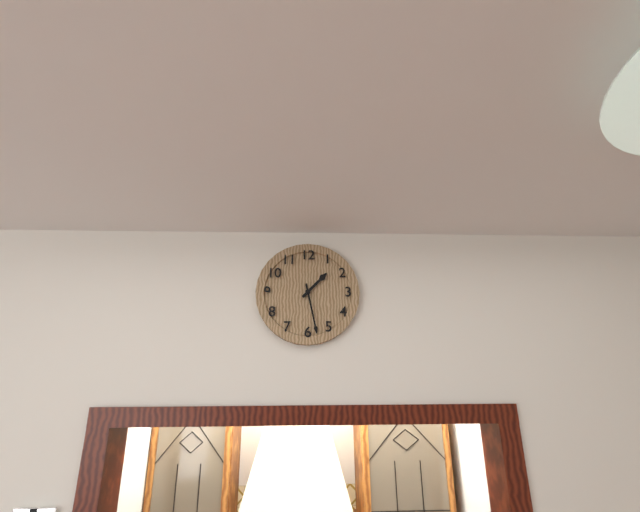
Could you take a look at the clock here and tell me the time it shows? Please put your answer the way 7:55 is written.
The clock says 1:28
